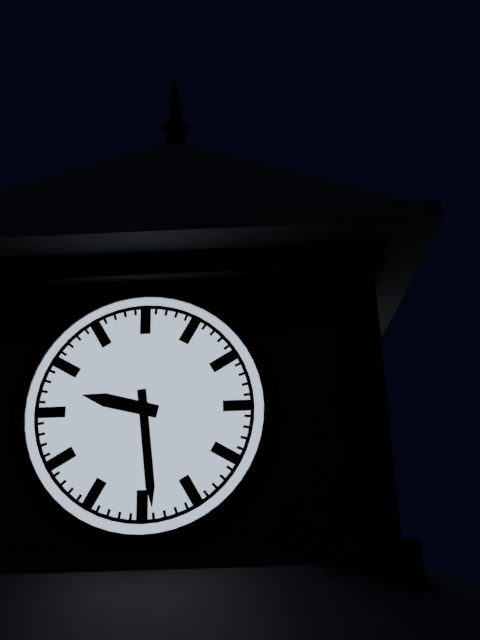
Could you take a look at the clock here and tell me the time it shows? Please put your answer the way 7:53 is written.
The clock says 9:29
